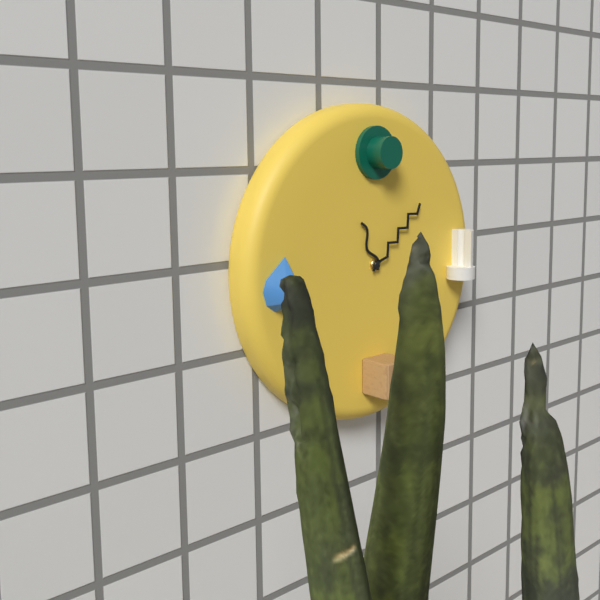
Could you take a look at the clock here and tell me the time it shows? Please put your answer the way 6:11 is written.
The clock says 11:08
